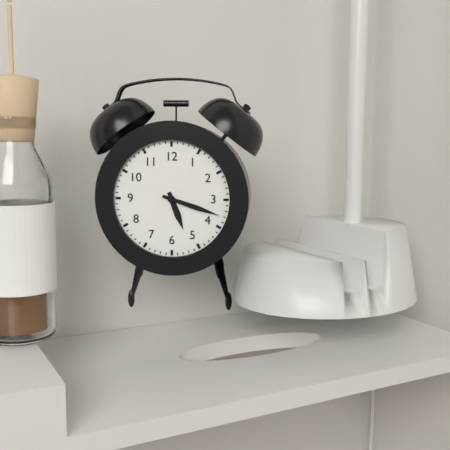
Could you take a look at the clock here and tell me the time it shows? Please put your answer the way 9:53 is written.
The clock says 5:18
